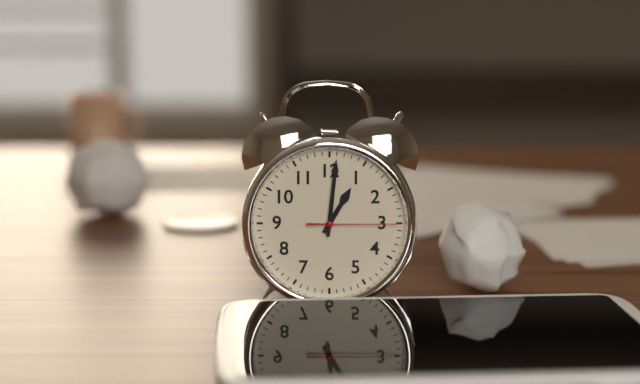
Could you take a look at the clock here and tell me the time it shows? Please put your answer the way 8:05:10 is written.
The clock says 1:01:15
